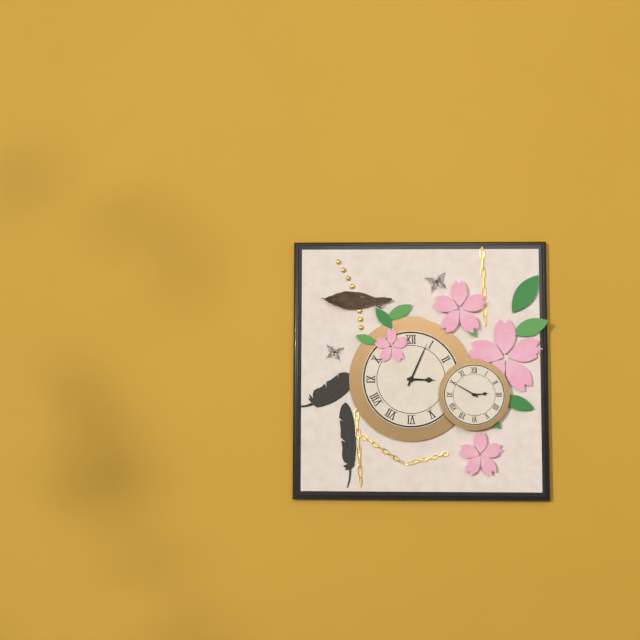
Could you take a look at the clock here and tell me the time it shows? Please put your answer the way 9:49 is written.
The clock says 3:04
